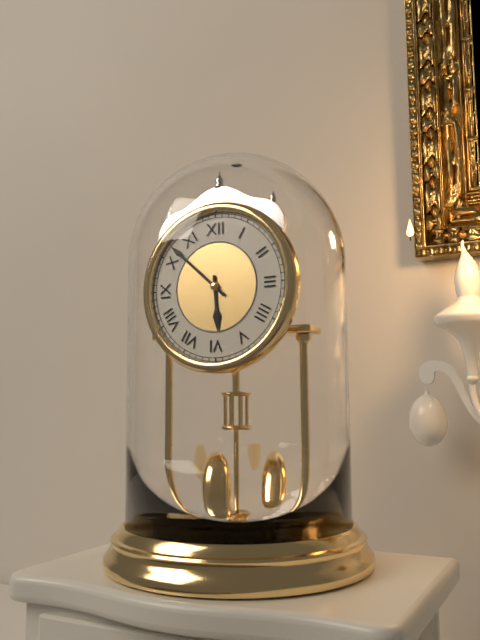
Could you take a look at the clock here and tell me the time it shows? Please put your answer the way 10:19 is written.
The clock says 5:52
